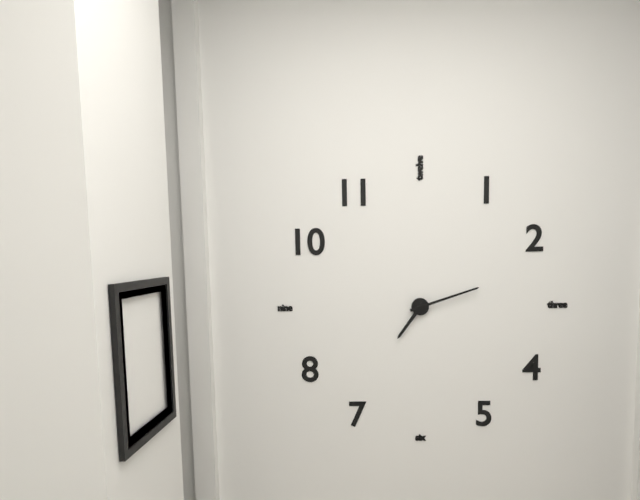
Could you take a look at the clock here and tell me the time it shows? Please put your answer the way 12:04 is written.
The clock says 7:12
